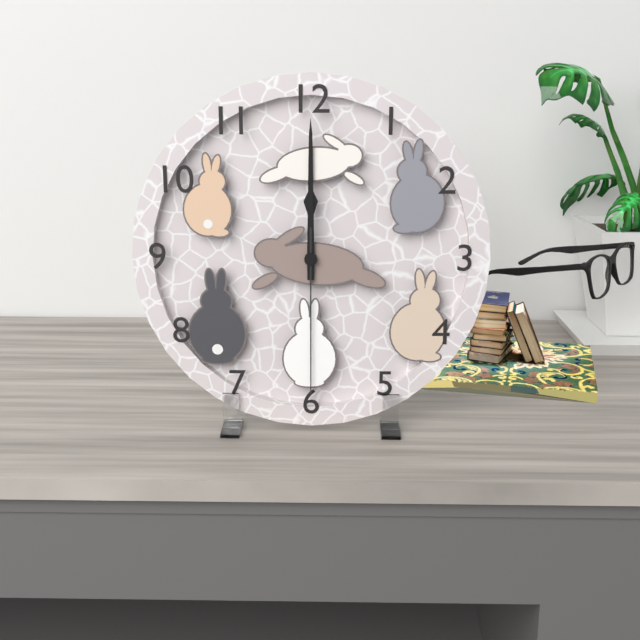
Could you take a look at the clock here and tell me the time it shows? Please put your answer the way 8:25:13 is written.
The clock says 12:00:30
